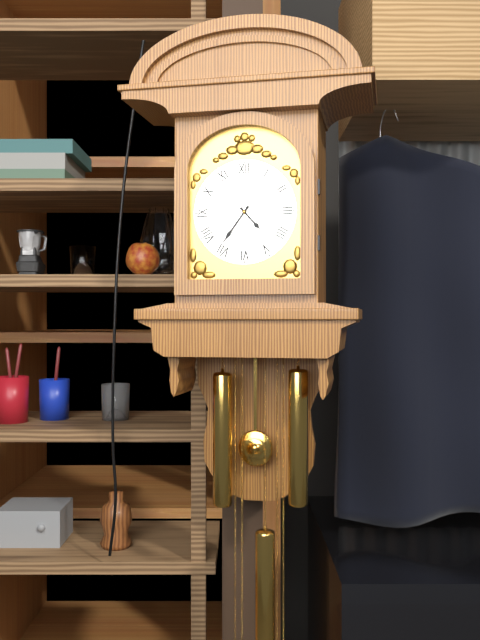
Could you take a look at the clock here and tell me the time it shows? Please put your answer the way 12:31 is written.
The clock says 4:36
